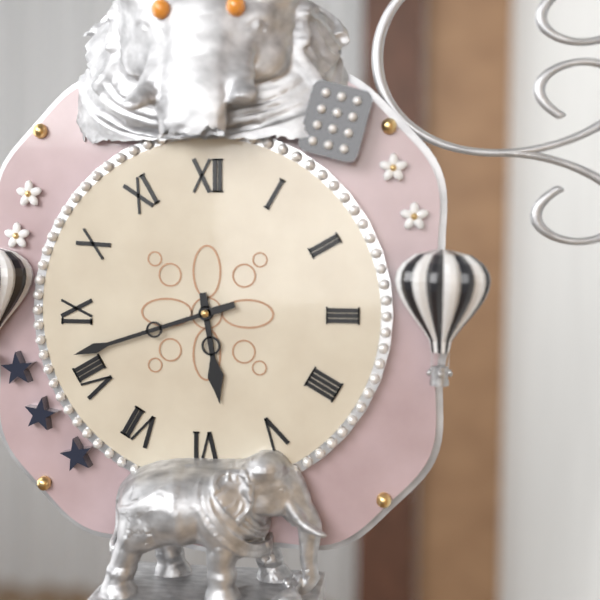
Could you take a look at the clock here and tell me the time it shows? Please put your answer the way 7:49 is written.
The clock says 5:42
